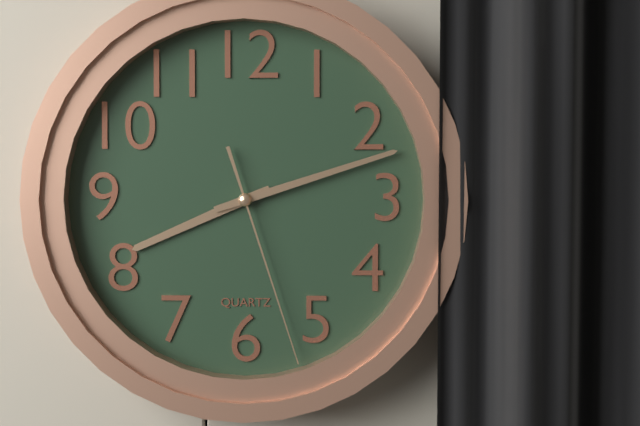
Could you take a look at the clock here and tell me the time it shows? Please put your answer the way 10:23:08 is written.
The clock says 8:12:27
